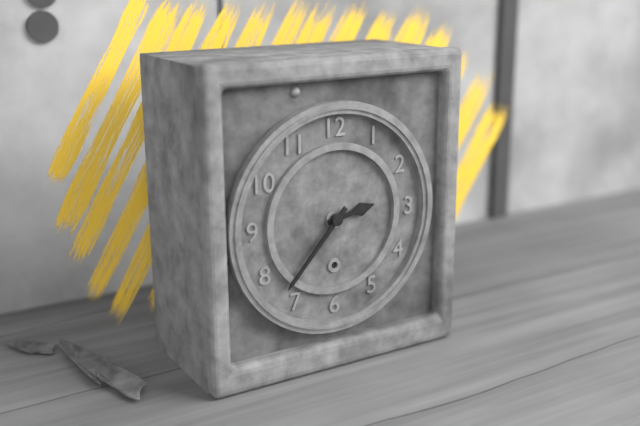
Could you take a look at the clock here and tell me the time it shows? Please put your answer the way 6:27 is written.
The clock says 2:37
